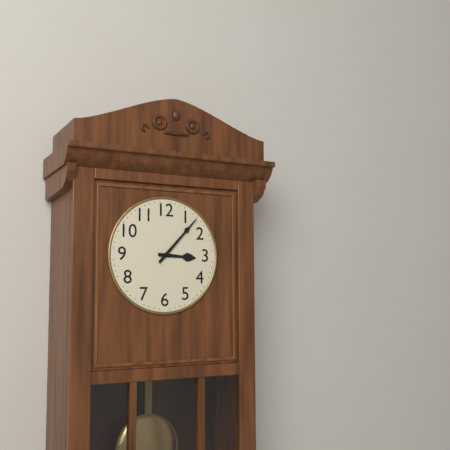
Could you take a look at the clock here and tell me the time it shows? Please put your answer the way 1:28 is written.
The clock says 3:07
